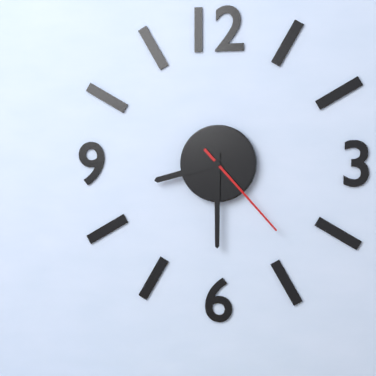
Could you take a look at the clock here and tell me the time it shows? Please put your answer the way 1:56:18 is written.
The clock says 8:30:23
